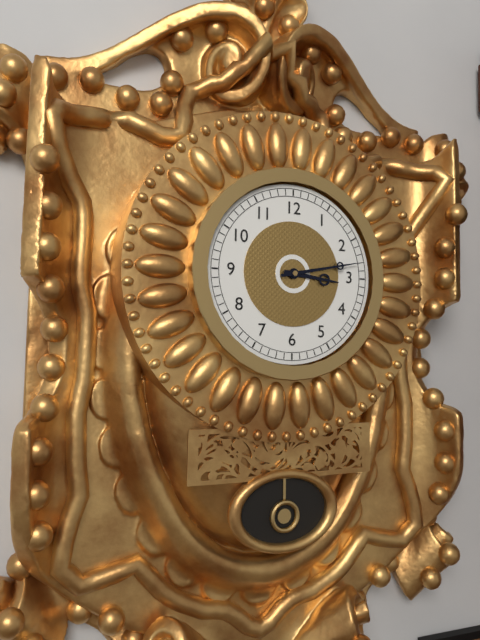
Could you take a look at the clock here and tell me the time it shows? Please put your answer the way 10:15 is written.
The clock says 3:13
